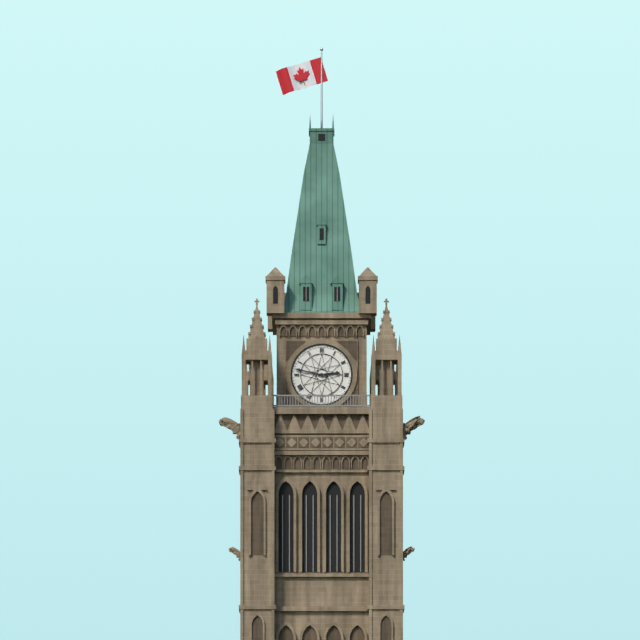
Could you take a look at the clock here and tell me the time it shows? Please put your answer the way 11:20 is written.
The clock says 2:47
